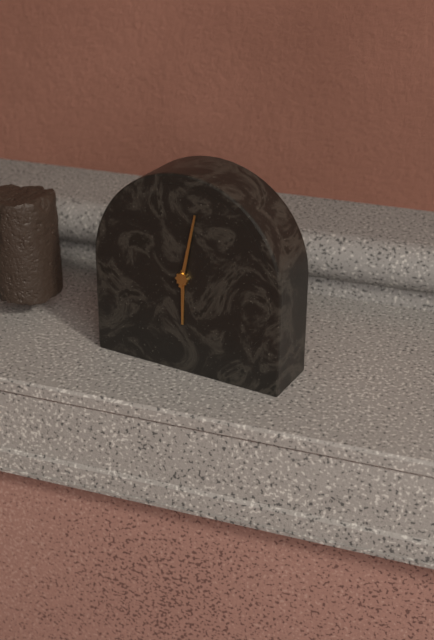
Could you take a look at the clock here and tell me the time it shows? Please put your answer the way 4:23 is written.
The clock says 6:02
